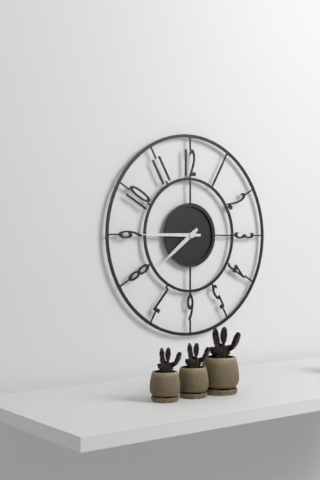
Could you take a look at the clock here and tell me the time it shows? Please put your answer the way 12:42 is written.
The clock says 7:45
